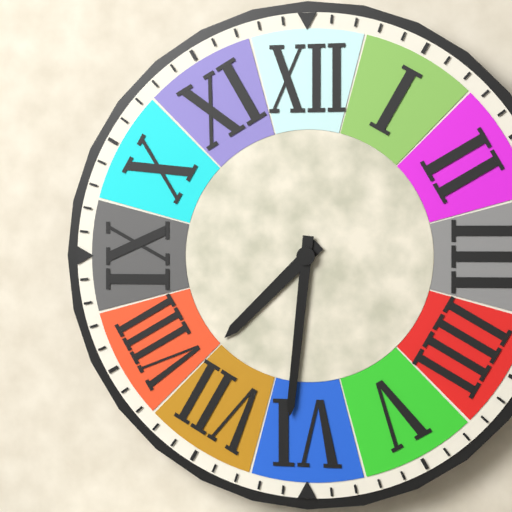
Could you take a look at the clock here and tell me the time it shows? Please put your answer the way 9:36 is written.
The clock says 7:31
